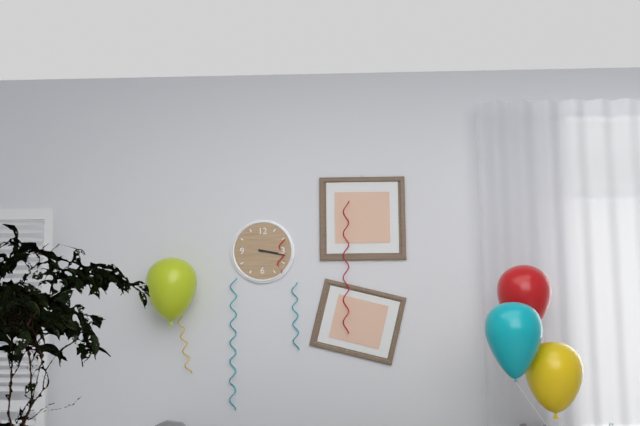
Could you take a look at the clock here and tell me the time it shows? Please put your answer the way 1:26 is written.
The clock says 3:17
